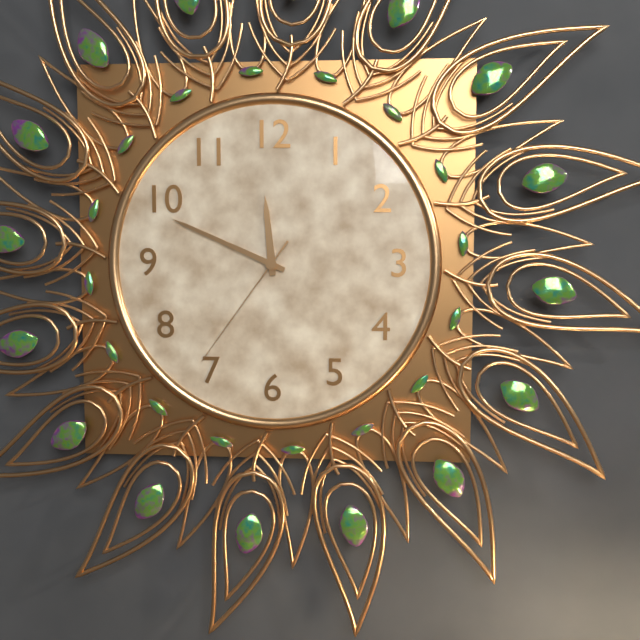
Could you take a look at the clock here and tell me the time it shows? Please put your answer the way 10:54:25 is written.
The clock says 11:49:36
